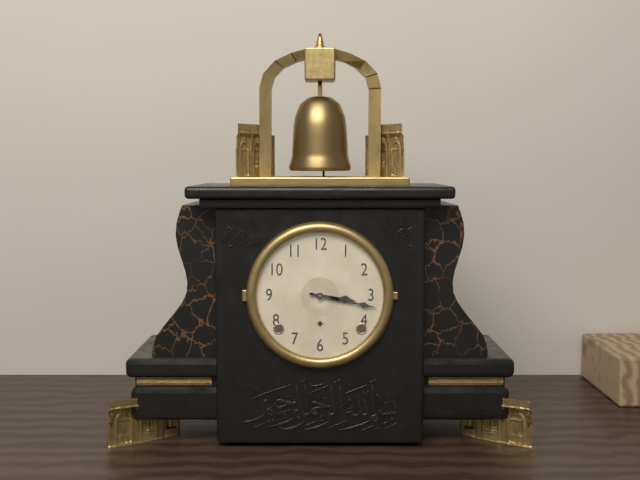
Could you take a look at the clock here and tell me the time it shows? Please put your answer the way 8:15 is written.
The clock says 3:17
